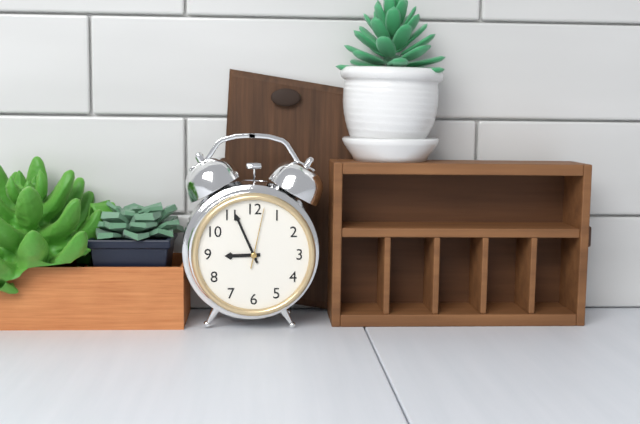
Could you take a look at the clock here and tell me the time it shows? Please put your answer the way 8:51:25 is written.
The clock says 8:56:02
